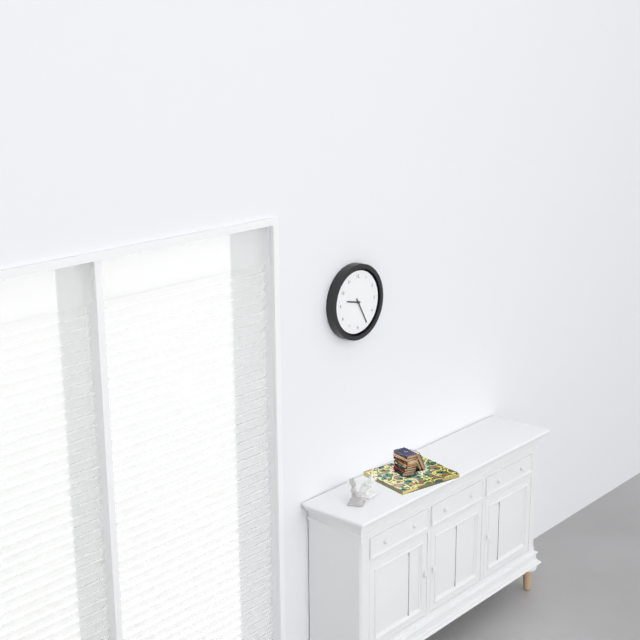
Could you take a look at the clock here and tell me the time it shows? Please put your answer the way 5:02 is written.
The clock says 9:25
